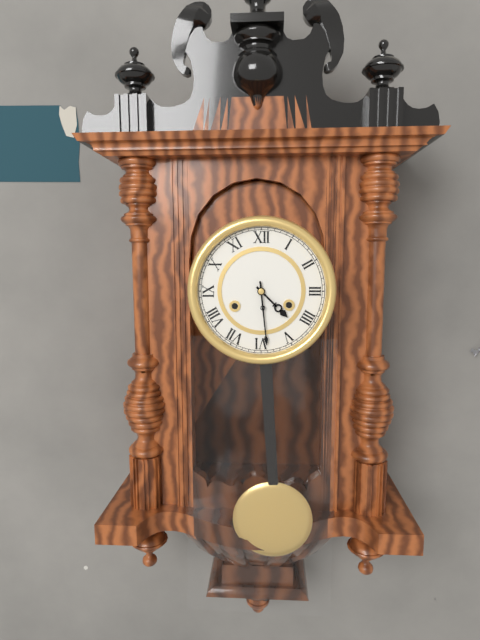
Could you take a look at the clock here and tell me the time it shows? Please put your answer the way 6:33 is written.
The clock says 4:29
